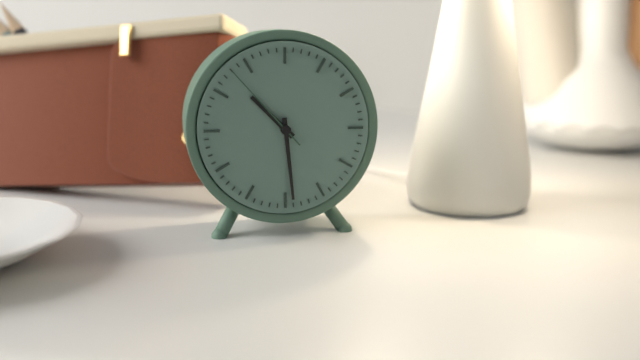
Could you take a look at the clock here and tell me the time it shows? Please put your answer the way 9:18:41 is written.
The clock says 10:29:53
